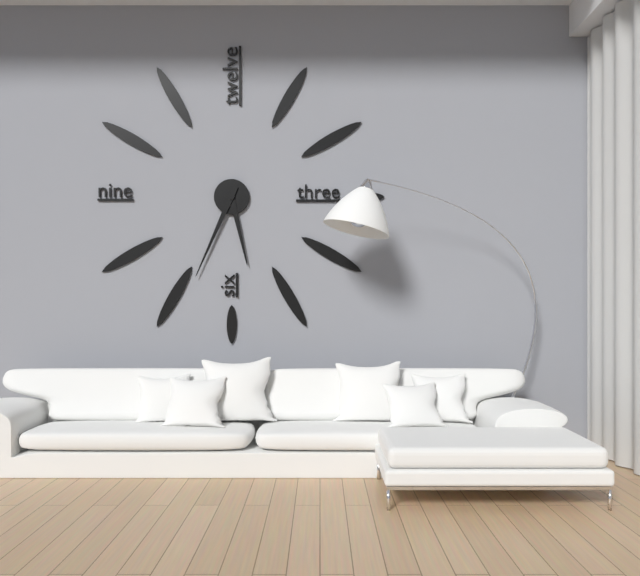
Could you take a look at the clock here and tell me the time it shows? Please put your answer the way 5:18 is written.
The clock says 5:34
